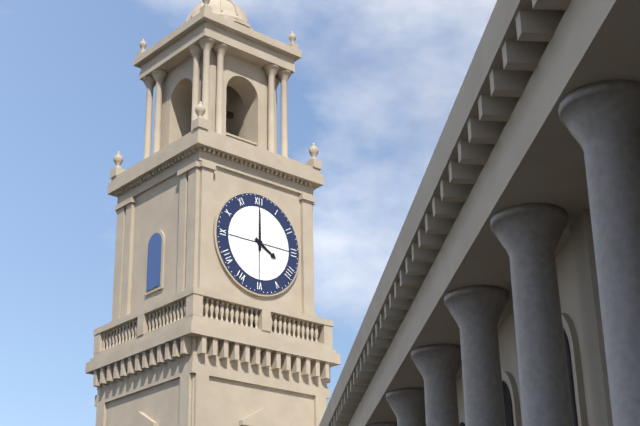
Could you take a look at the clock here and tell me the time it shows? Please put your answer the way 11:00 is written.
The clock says 4:00
